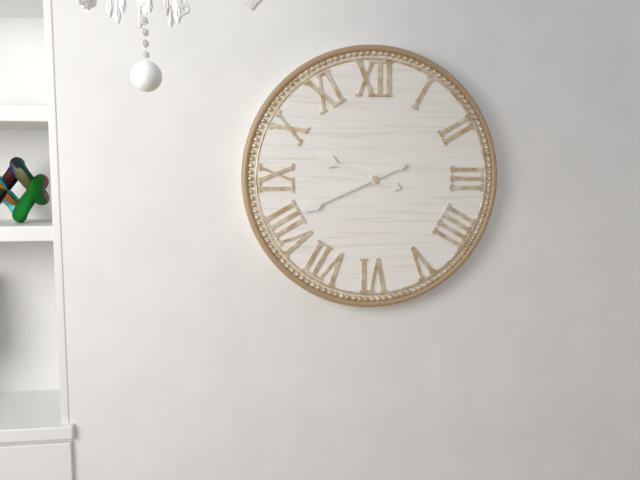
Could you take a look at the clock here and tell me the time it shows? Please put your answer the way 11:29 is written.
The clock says 9:41
